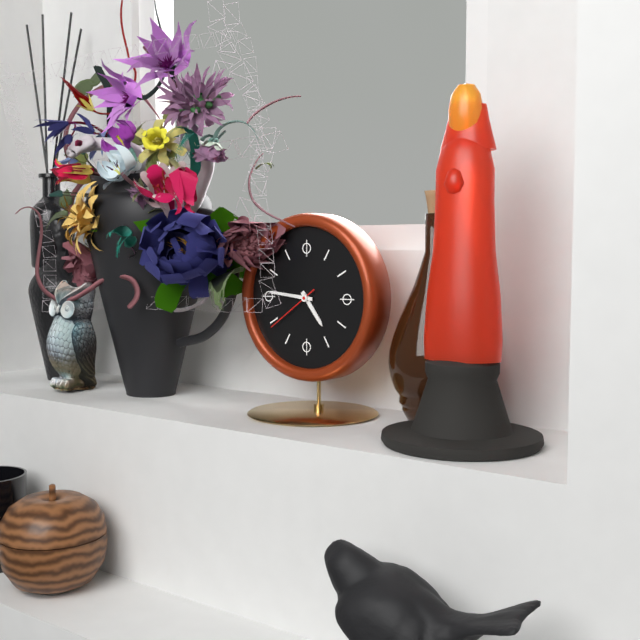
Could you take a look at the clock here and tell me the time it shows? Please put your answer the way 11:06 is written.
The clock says 4:46
